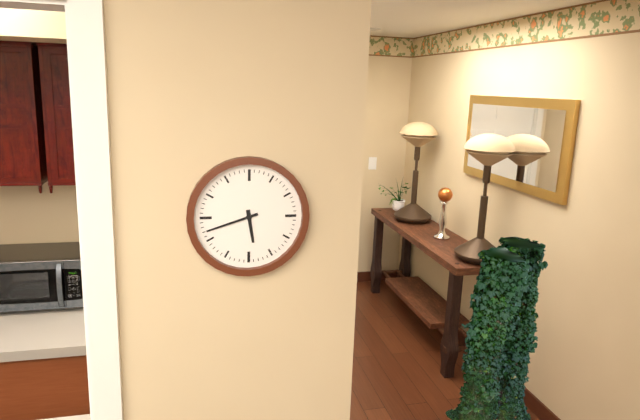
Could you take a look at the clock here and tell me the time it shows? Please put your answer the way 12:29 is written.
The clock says 5:42
